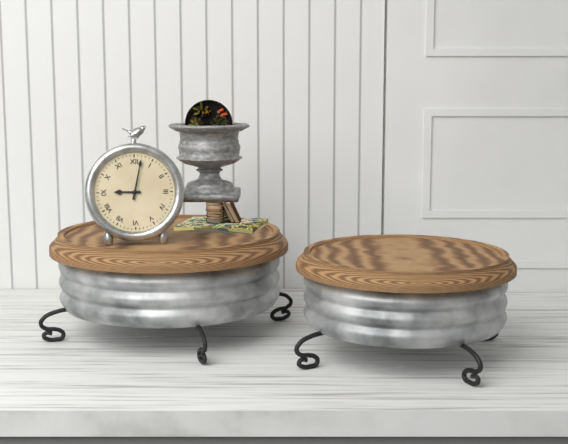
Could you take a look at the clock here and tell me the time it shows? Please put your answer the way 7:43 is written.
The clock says 9:02
